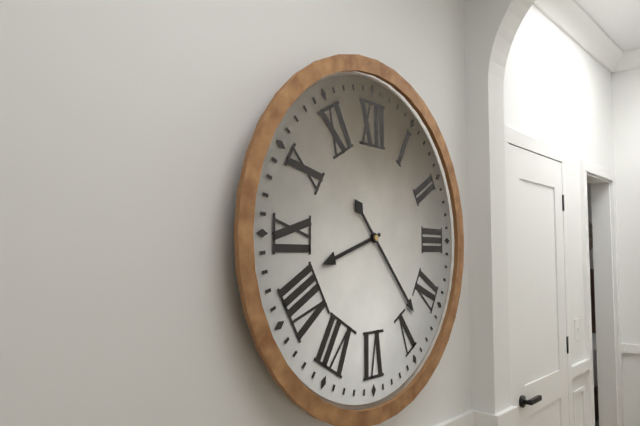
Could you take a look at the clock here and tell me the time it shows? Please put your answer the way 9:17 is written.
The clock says 8:23
